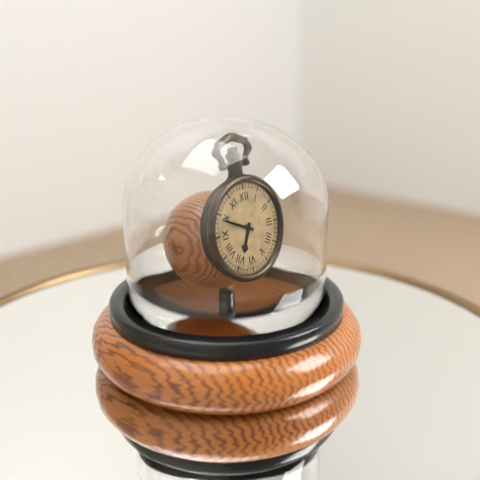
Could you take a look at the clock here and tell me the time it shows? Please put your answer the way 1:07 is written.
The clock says 6:49
